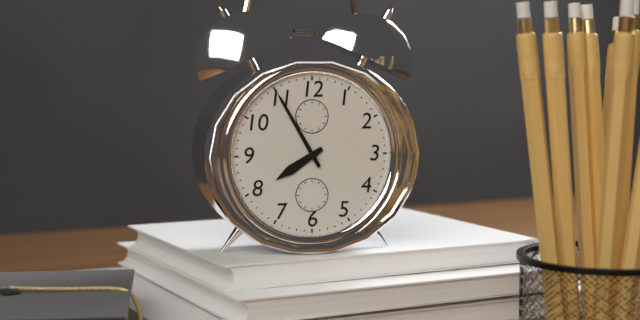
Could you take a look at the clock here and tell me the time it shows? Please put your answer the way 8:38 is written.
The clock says 7:55
